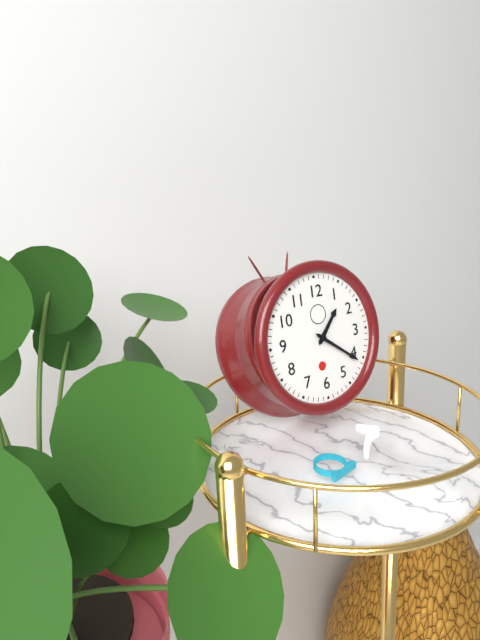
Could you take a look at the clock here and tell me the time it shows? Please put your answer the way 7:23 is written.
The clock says 1:21
